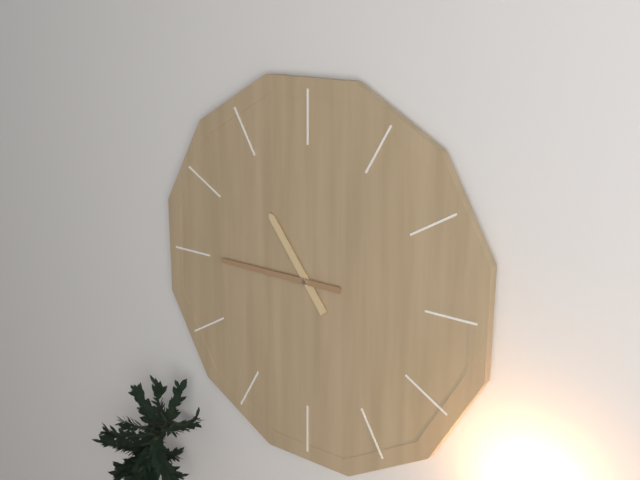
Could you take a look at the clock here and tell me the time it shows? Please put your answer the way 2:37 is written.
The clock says 10:45
